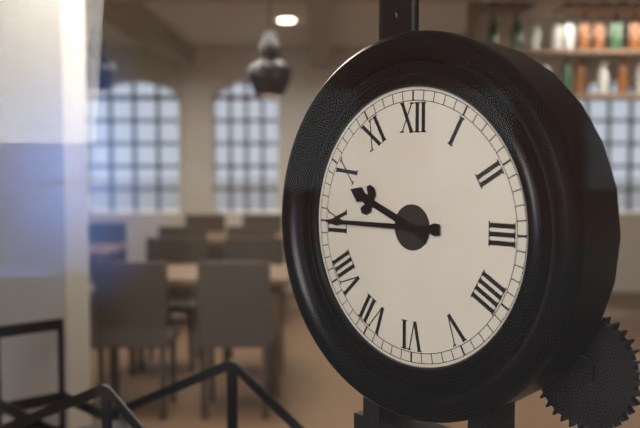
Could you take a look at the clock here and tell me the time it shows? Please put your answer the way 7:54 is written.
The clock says 9:45
